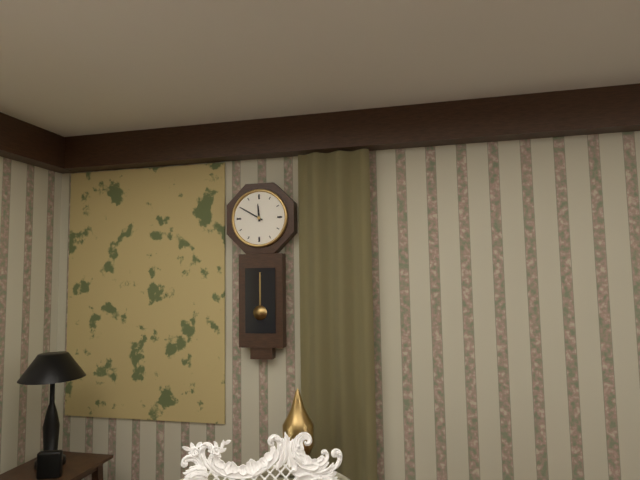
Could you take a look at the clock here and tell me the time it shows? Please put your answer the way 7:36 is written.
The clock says 11:50
